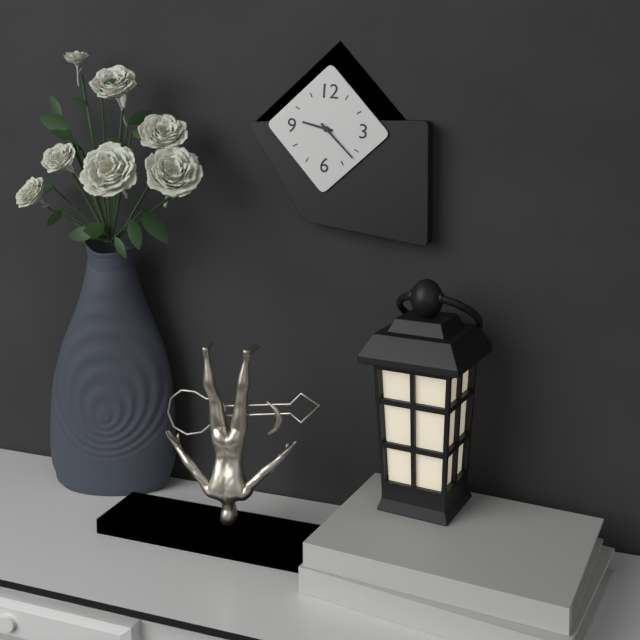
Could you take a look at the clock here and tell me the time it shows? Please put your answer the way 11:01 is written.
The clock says 9:22
